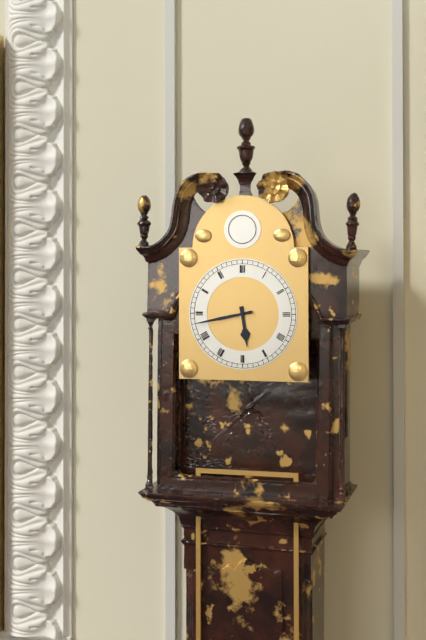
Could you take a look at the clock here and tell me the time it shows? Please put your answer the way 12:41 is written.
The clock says 5:43
